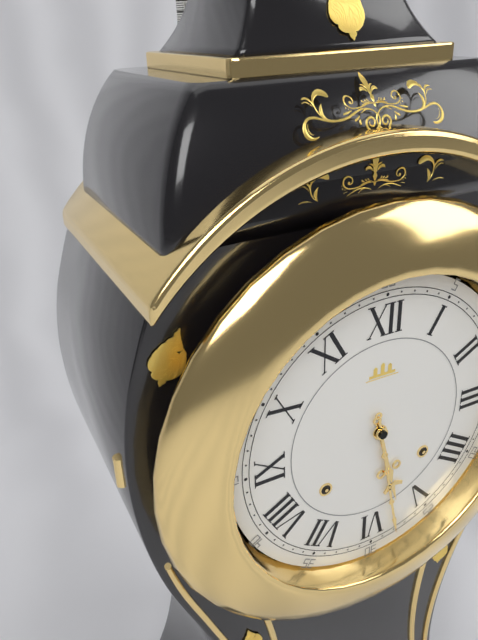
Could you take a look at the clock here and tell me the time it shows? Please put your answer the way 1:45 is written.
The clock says 5:28
